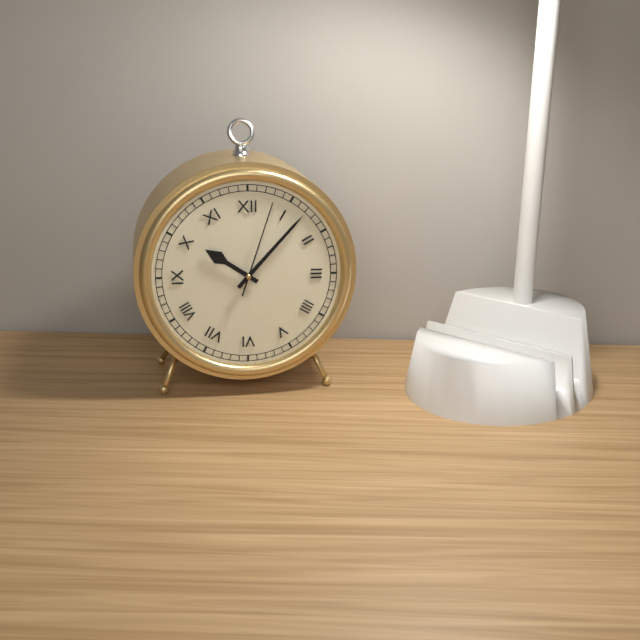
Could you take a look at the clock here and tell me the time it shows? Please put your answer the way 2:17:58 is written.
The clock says 10:07:03
